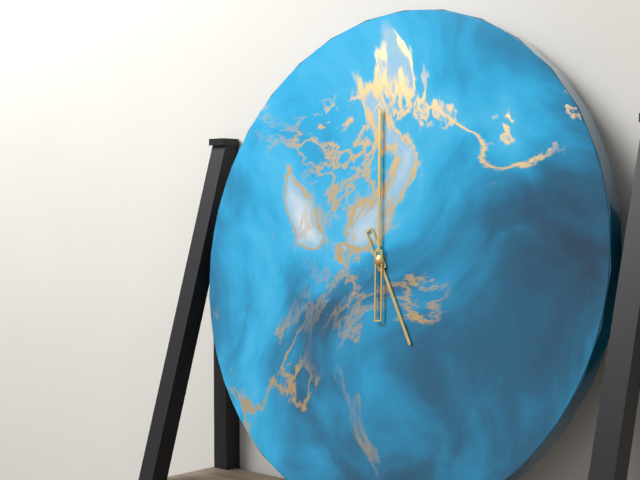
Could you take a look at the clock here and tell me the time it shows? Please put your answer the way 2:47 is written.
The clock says 4:59
